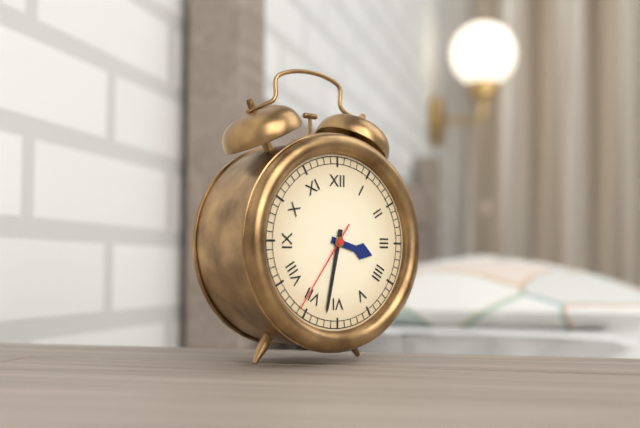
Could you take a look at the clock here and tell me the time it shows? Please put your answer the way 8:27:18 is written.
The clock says 3:32:36
